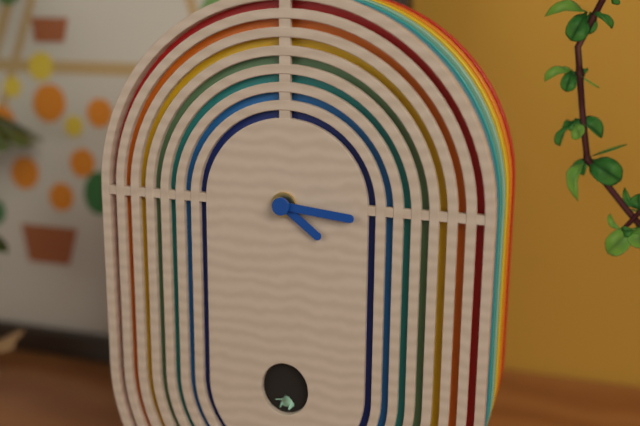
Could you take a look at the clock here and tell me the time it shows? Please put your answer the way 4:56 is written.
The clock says 4:16
